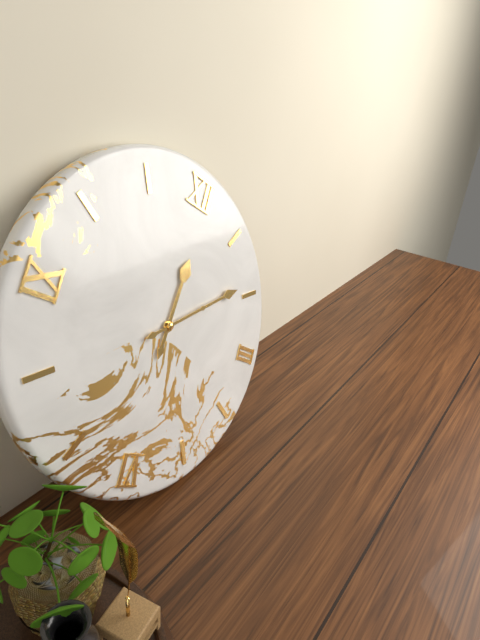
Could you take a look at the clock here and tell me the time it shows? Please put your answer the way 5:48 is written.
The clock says 12:09
